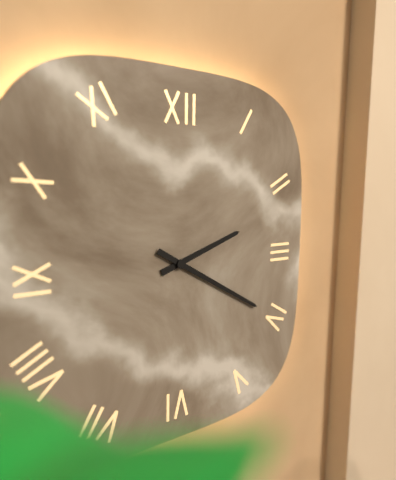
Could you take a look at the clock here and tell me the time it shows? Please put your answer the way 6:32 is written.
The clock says 2:20
